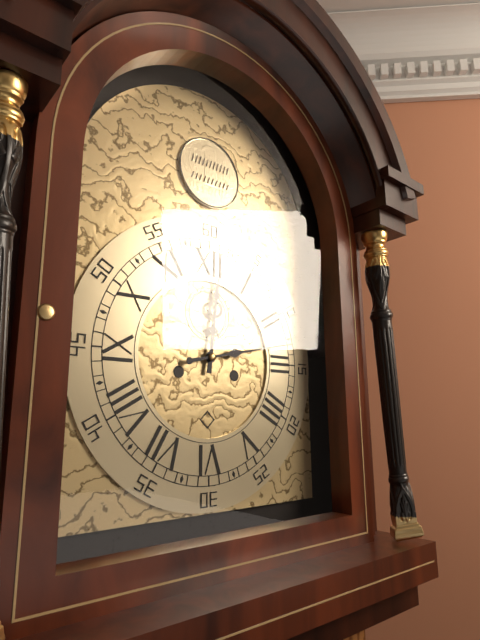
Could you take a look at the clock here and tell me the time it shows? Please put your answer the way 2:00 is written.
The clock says 12:13
